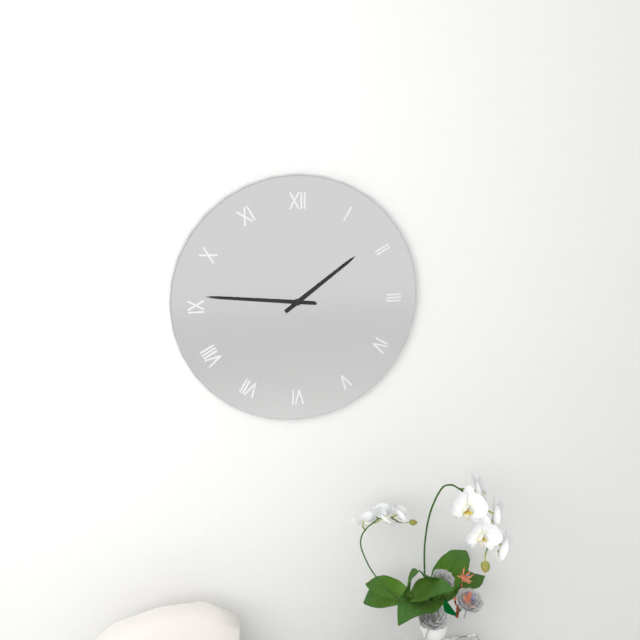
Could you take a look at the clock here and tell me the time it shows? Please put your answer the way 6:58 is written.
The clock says 1:46
